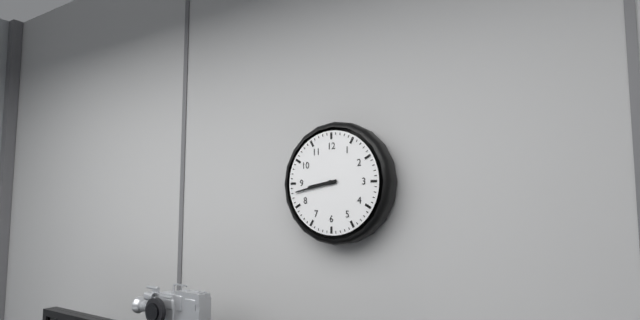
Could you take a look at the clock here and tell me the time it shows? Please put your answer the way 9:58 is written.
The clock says 8:43
